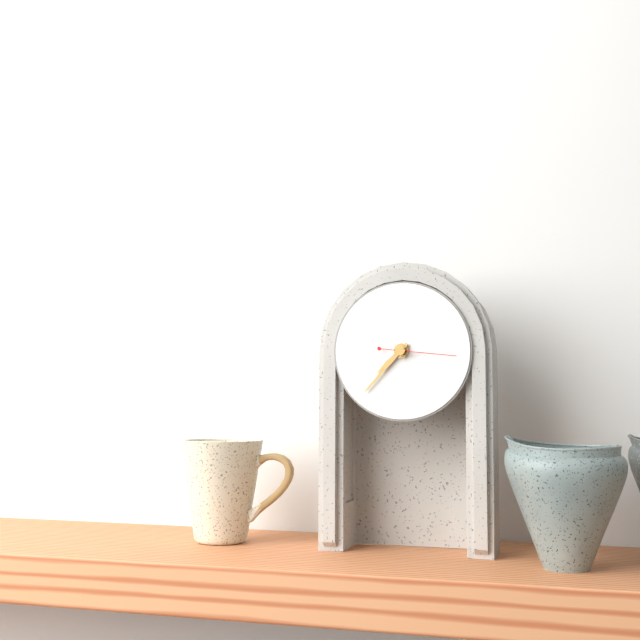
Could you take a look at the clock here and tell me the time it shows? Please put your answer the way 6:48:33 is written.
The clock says 7:37:16
